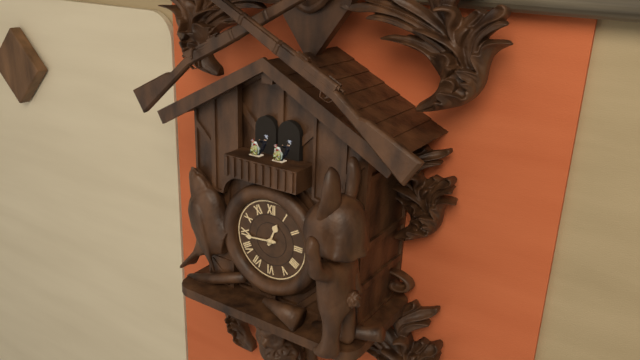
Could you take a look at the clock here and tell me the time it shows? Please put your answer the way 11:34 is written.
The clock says 12:44
